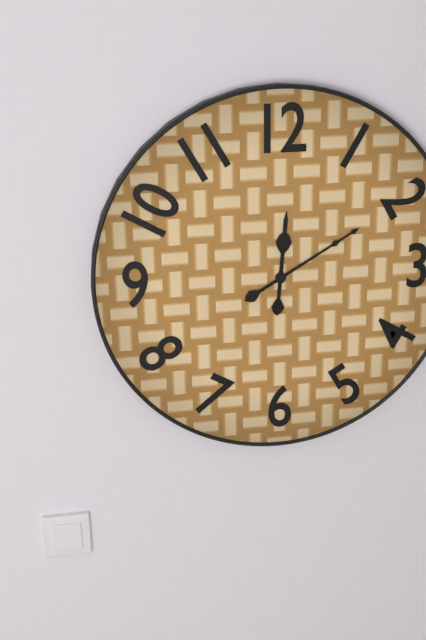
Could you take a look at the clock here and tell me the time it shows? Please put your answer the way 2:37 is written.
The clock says 12:10
